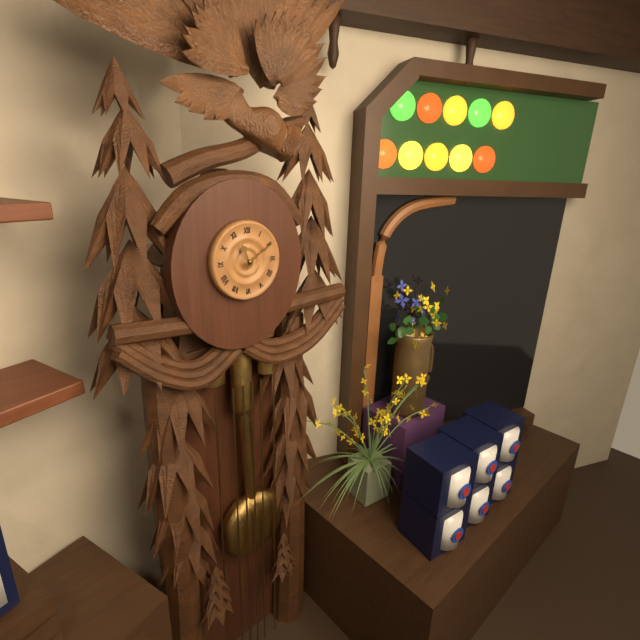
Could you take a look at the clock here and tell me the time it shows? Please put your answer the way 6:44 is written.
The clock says 11:10
